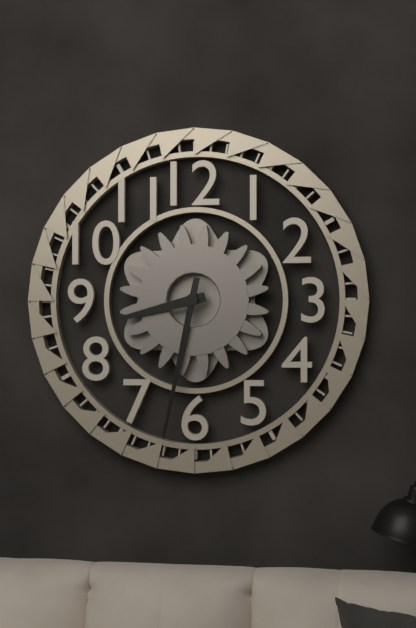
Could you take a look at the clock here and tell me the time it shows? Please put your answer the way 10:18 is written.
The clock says 8:32
